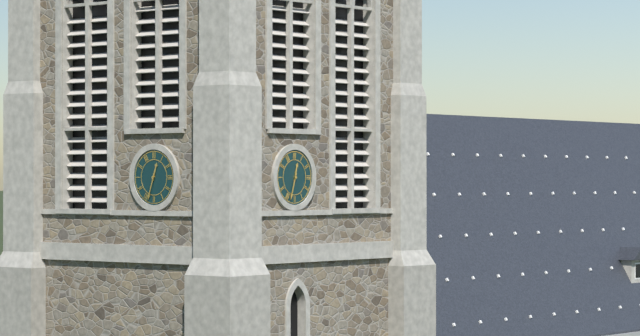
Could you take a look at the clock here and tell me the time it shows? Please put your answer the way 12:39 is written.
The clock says 12:33
